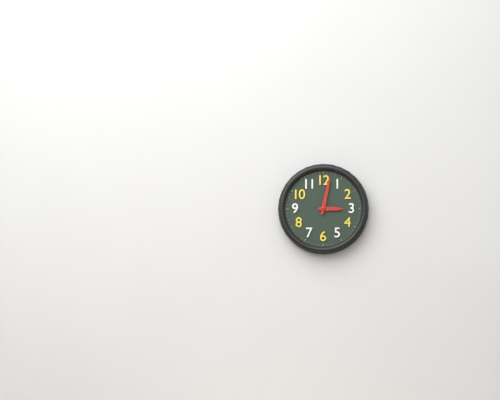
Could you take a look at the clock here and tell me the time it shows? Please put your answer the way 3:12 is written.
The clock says 3:02
